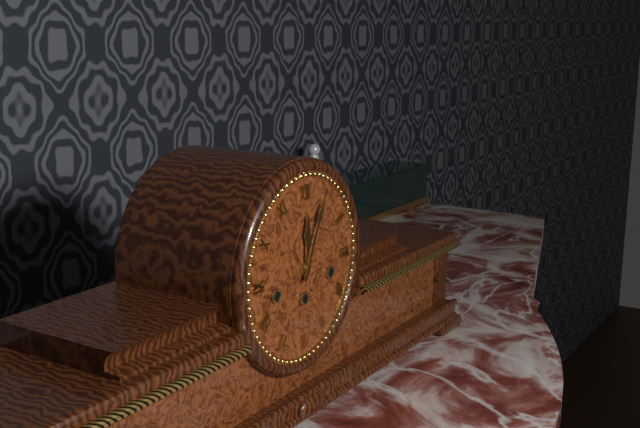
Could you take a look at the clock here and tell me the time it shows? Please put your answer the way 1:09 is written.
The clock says 12:04
